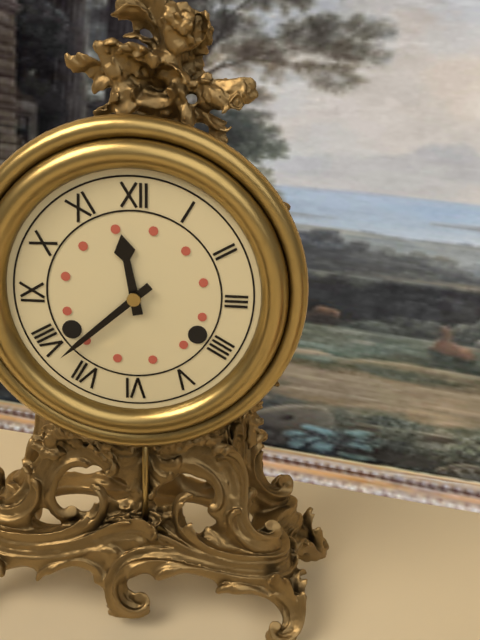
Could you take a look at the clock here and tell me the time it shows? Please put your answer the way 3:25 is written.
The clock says 11:38
